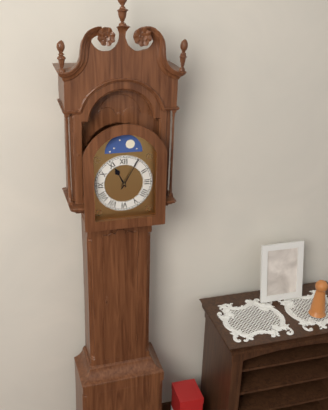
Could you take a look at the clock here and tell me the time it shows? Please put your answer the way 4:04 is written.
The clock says 11:05
